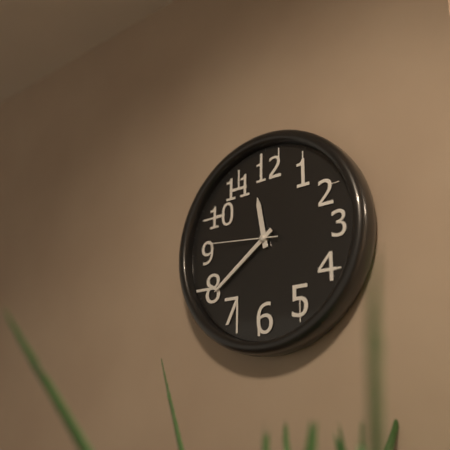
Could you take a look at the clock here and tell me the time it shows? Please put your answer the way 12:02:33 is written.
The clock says 11:39:46
